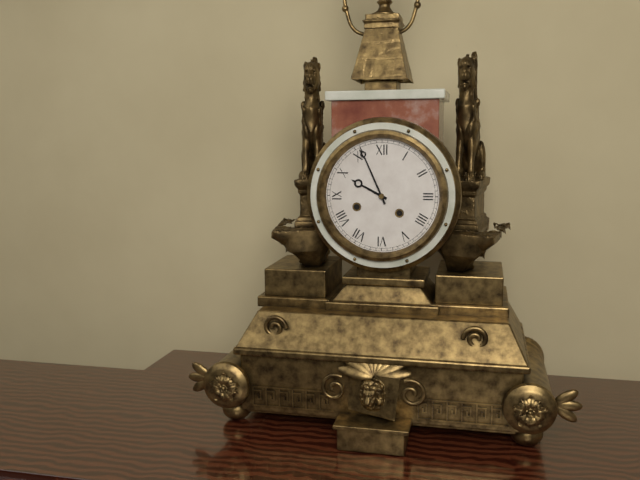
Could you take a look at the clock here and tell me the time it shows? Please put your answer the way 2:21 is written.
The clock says 9:56
